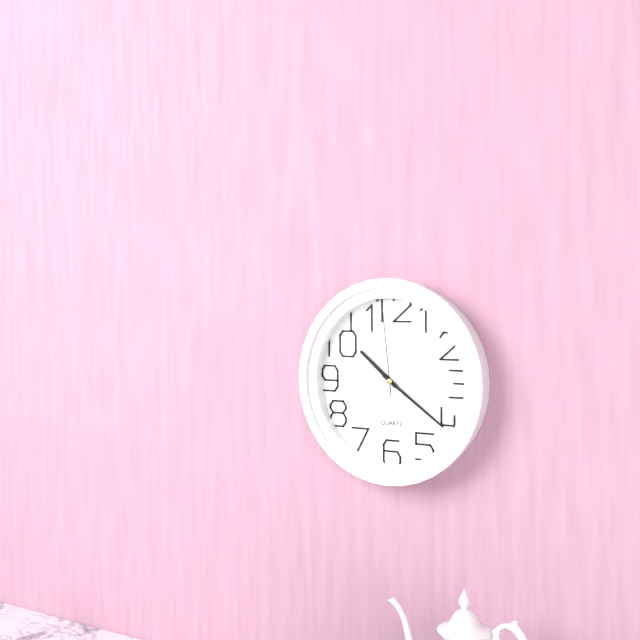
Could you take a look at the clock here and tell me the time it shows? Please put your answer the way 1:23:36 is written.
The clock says 10:21:59
